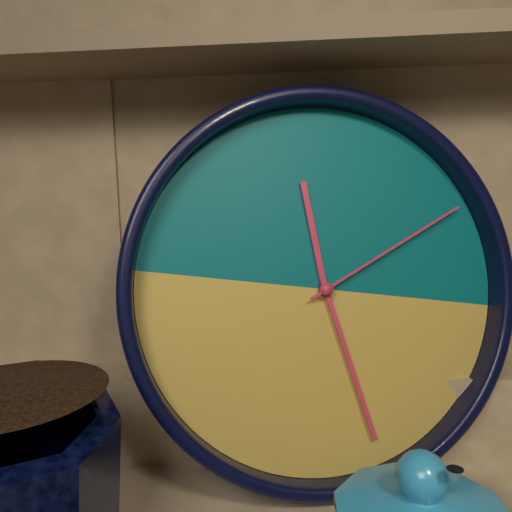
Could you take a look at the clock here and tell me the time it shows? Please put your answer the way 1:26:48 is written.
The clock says 11:26:09
